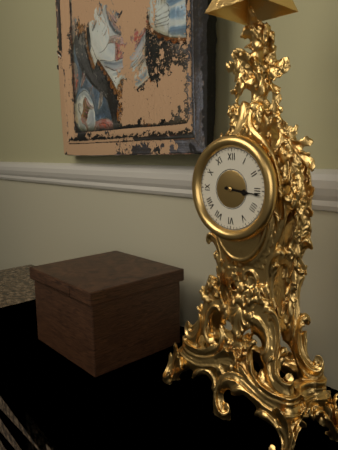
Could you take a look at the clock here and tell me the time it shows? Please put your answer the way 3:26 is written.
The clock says 3:16
